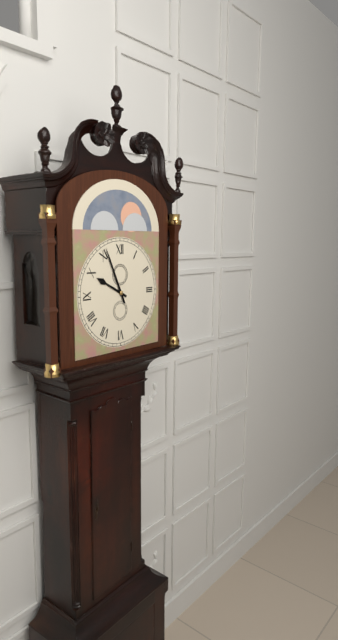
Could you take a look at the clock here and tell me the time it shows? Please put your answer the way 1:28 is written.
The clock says 9:56
